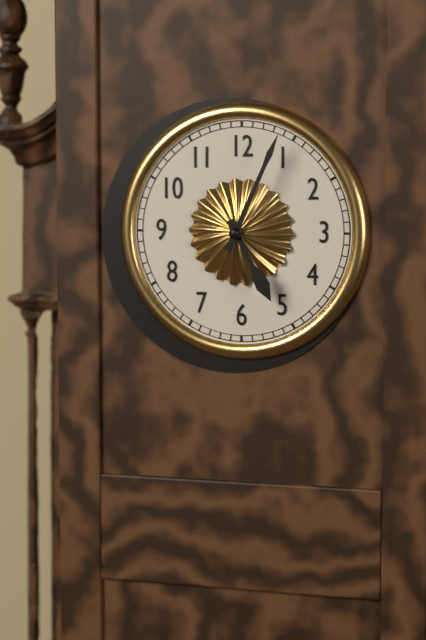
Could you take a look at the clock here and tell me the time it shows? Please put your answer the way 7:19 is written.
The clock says 5:04
